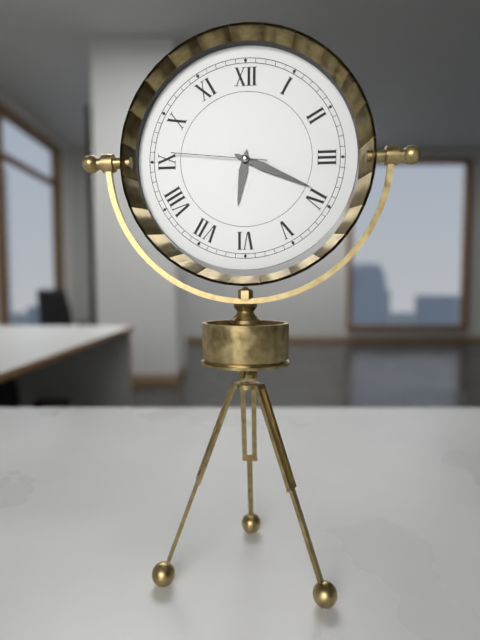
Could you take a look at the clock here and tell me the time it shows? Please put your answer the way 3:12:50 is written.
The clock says 6:19:46
